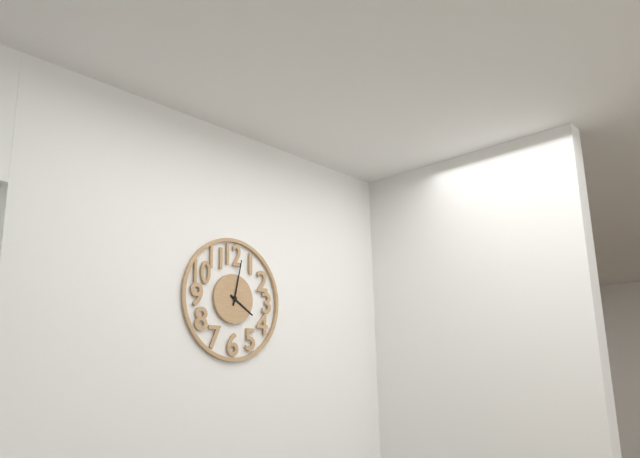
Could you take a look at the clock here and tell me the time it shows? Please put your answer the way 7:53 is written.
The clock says 4:02
